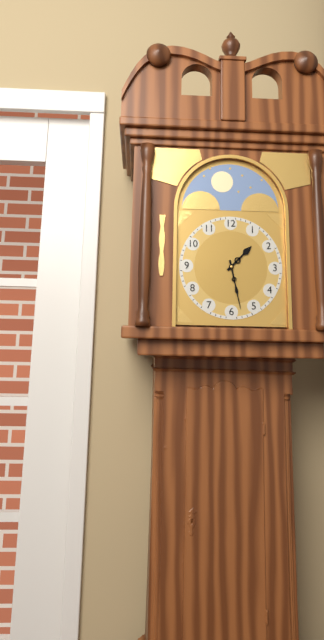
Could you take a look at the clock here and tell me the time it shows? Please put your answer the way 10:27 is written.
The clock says 1:28
